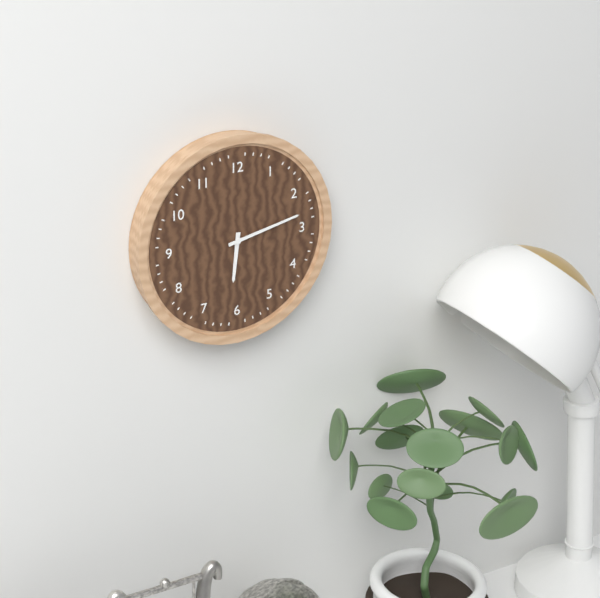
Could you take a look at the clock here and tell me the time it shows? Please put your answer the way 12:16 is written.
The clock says 6:13
